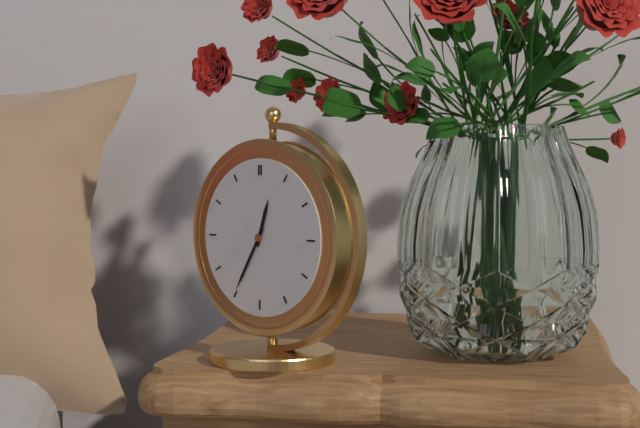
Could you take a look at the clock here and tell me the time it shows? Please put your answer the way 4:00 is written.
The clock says 12:35
